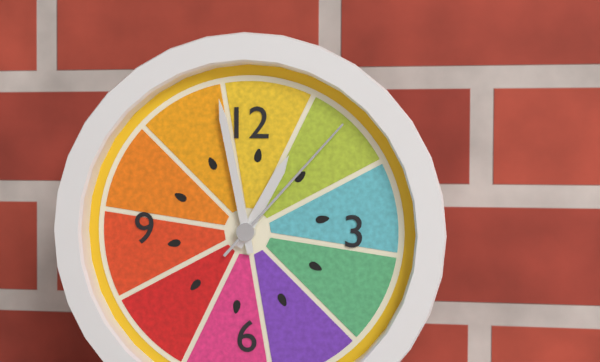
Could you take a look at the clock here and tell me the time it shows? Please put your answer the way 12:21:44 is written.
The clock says 12:58:07
